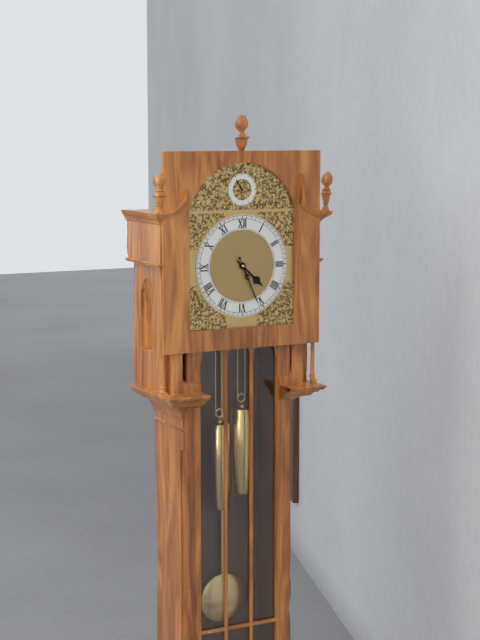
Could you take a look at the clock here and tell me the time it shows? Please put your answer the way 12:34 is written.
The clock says 4:26
